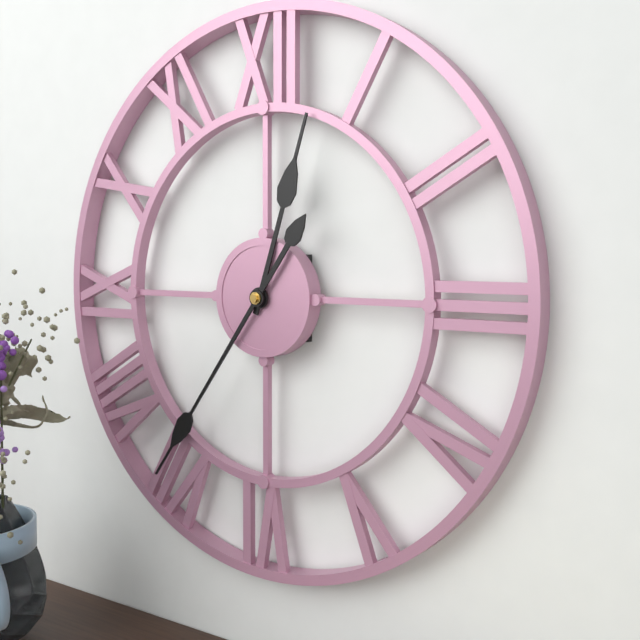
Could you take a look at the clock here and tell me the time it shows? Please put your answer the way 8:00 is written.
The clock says 12:36
